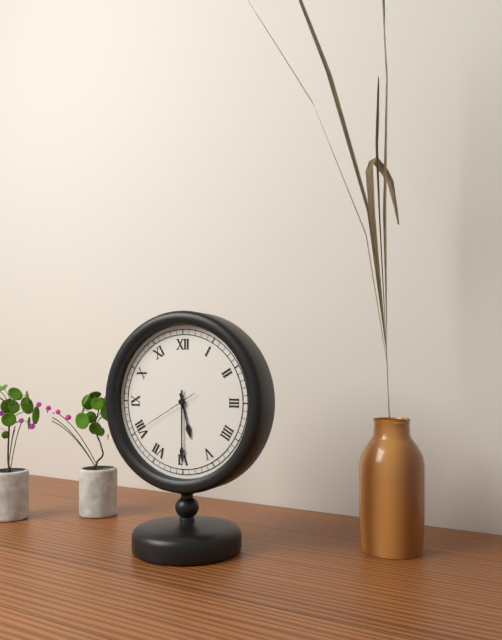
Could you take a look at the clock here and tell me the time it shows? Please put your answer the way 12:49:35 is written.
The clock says 5:30:40
